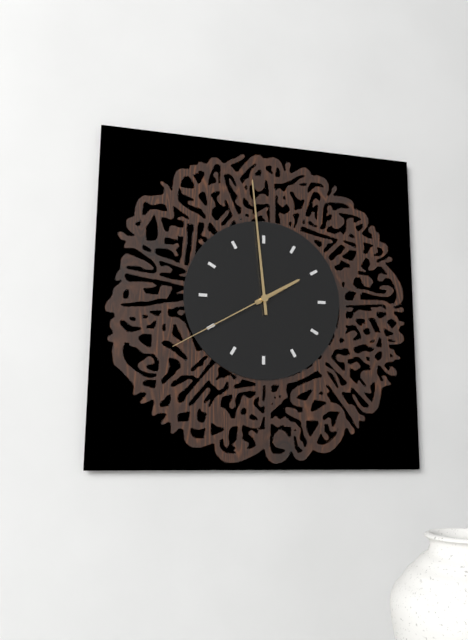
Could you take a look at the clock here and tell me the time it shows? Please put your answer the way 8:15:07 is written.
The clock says 1:59:40
